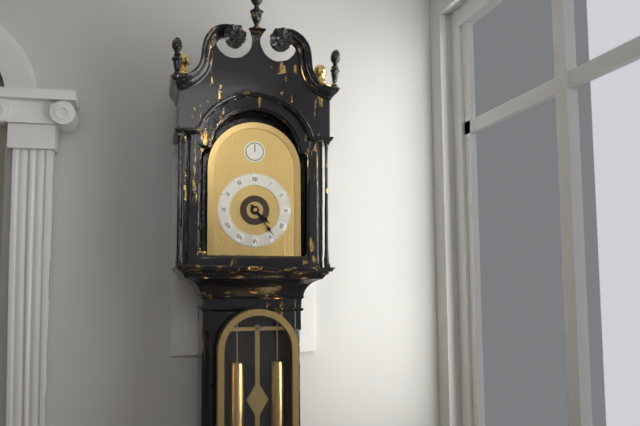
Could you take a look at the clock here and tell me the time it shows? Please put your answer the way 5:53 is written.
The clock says 4:24
